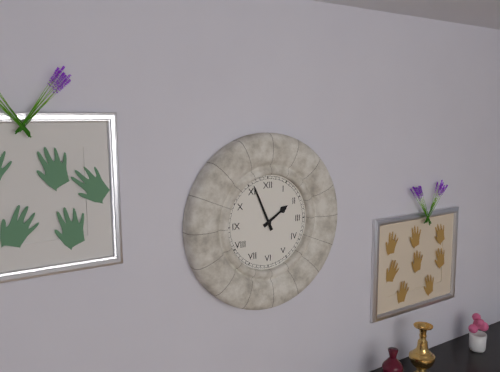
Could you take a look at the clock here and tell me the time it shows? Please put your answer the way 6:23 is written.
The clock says 1:56
